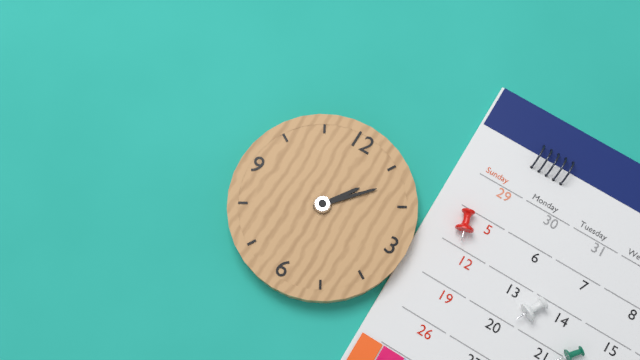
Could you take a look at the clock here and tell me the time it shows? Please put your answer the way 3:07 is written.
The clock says 1:07
